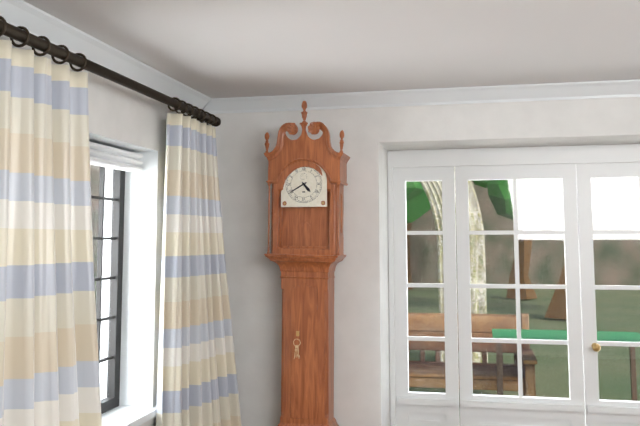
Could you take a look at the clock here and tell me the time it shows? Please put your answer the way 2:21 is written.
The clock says 4:40
